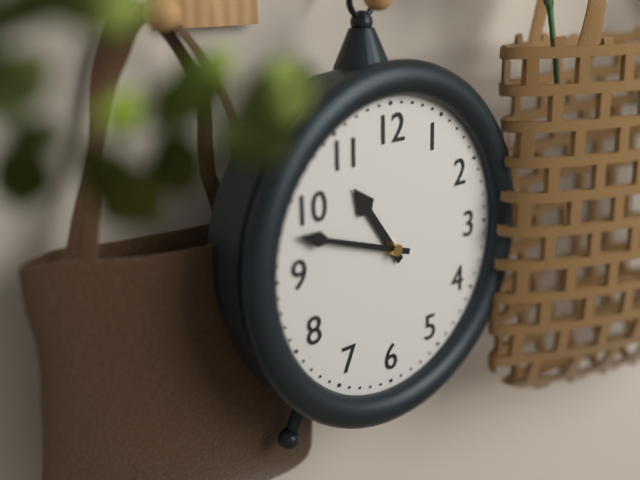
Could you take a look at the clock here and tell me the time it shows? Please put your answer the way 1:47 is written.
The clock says 10:48
